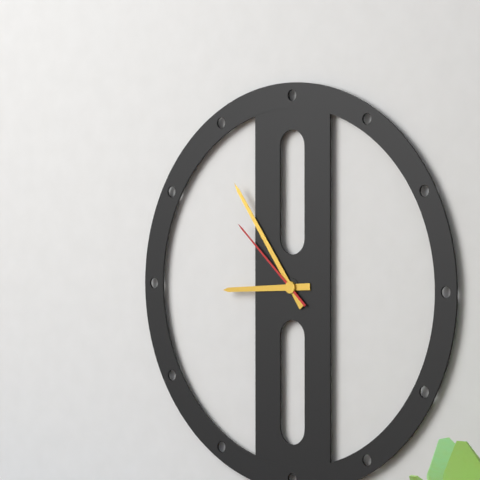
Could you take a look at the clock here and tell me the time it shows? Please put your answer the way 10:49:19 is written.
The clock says 8:54:52
